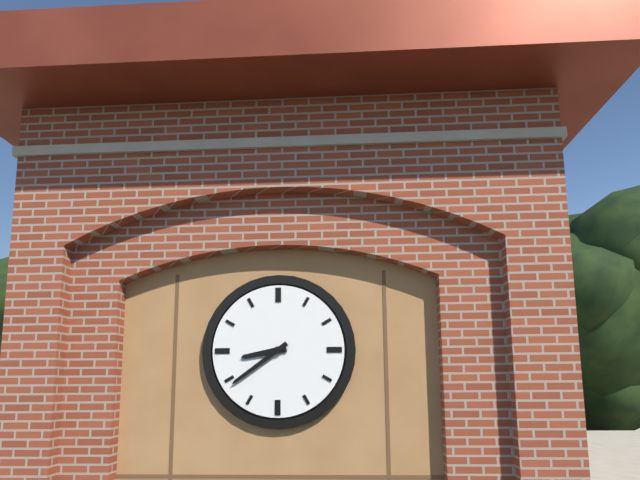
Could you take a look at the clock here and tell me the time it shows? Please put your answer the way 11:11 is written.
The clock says 8:39
